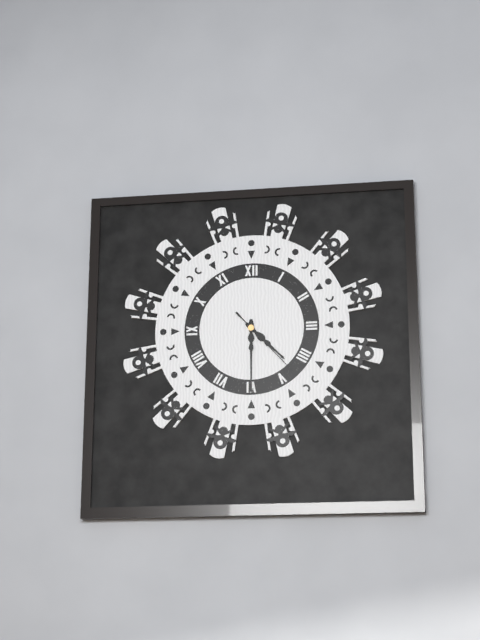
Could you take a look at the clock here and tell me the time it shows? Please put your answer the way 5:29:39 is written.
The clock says 4:30:23
